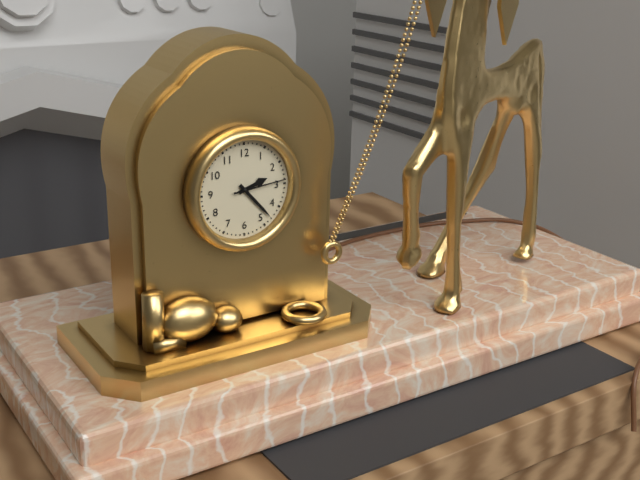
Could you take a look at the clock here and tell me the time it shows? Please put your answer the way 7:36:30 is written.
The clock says 2:23:14
